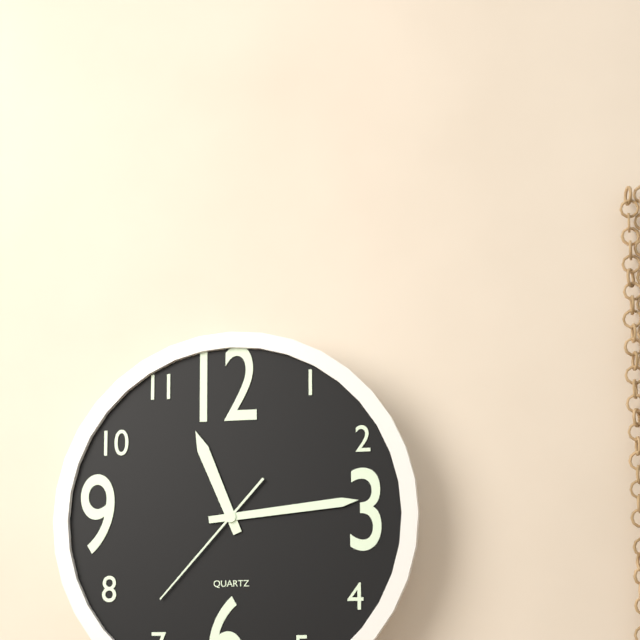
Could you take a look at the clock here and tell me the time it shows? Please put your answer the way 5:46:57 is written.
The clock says 11:14:37
